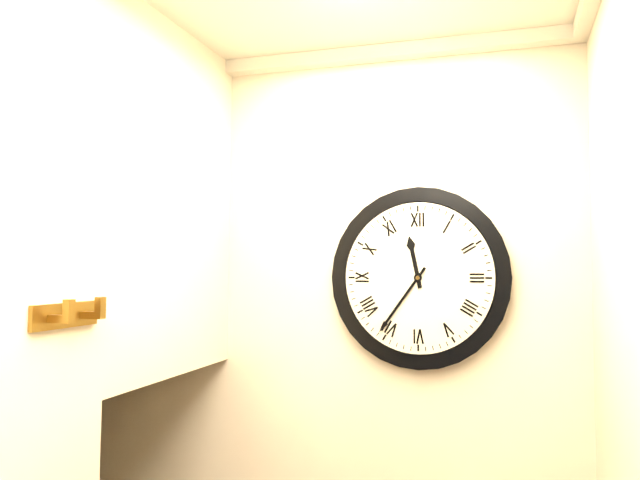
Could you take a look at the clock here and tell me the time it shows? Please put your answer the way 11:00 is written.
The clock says 11:36
